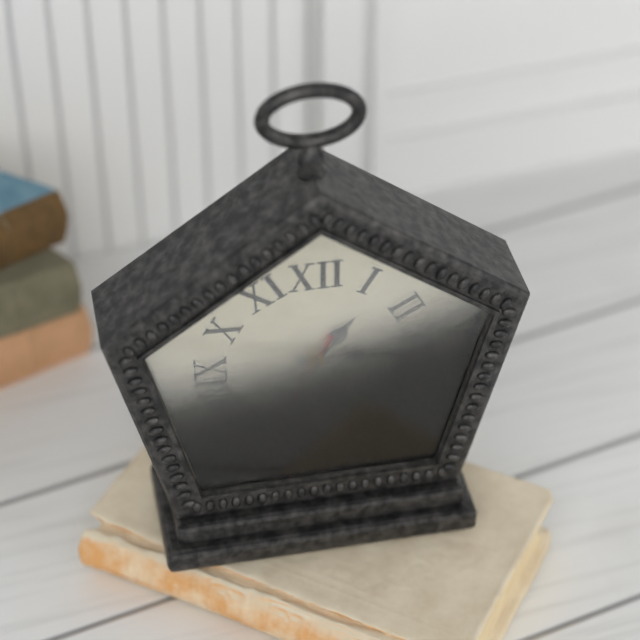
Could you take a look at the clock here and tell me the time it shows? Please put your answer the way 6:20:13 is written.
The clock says 1:16:34
